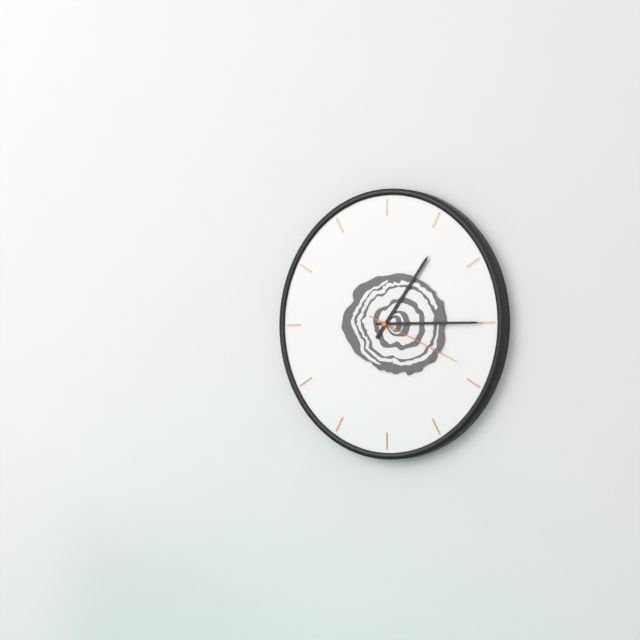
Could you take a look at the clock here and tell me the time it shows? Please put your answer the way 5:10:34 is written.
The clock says 1:15:19
